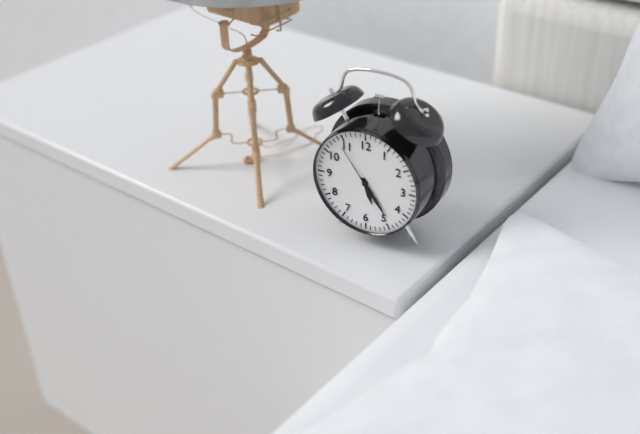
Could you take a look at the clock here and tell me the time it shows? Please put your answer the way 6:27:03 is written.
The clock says 5:24:54
